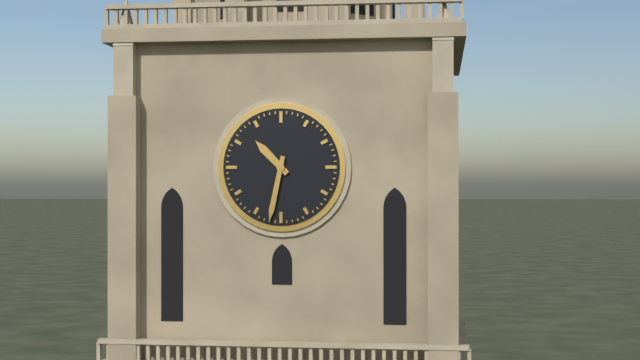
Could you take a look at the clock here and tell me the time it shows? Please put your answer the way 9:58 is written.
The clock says 10:32
